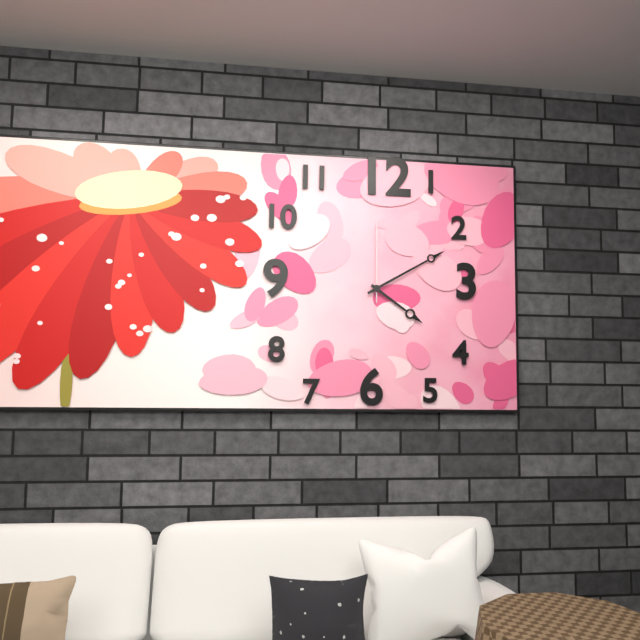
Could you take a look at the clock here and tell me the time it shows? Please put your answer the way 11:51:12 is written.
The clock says 4:10:00
